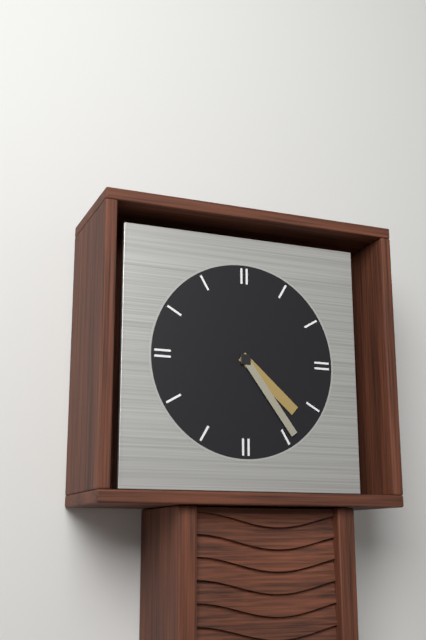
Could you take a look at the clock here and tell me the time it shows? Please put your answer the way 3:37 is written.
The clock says 4:24
